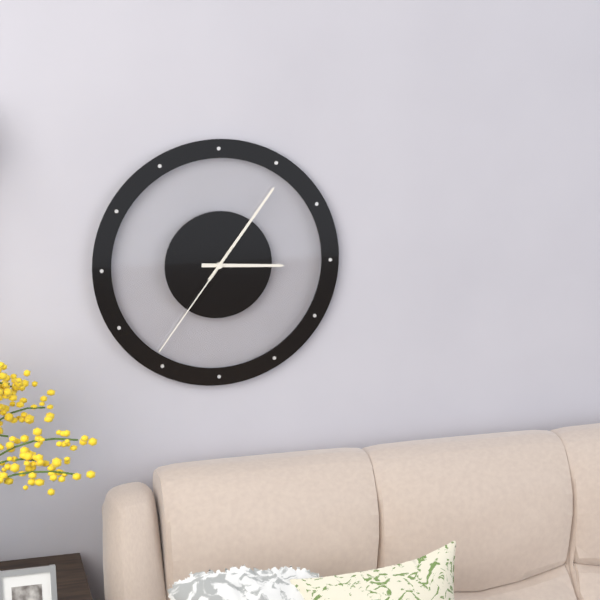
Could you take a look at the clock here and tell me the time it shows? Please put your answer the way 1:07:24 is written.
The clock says 3:06:36
